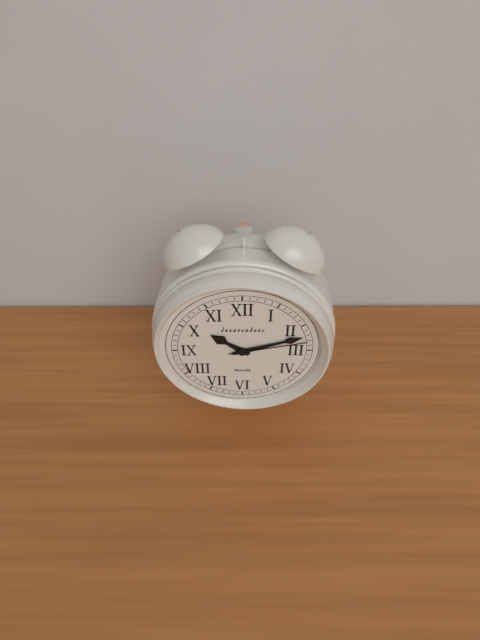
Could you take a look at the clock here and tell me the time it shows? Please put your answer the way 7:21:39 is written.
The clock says 10:12:13
